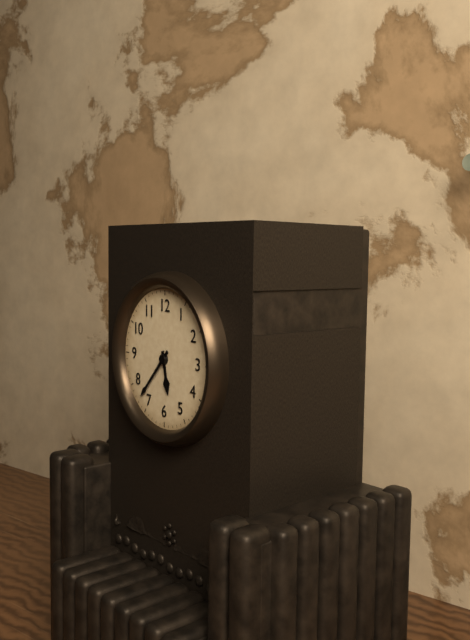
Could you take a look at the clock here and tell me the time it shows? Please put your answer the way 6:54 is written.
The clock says 5:37
